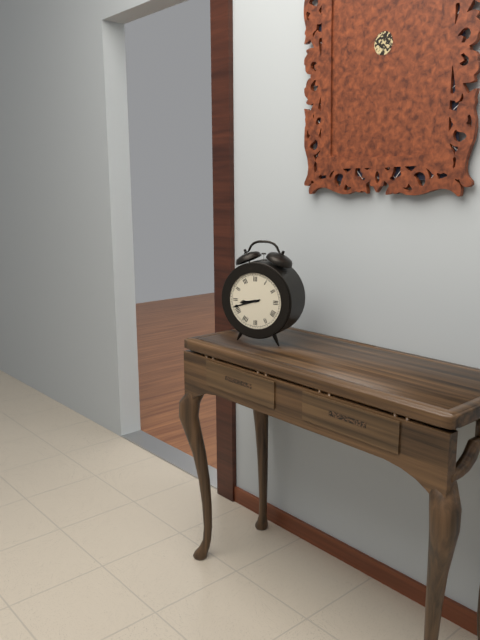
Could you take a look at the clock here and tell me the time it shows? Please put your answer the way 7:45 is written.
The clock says 8:42
